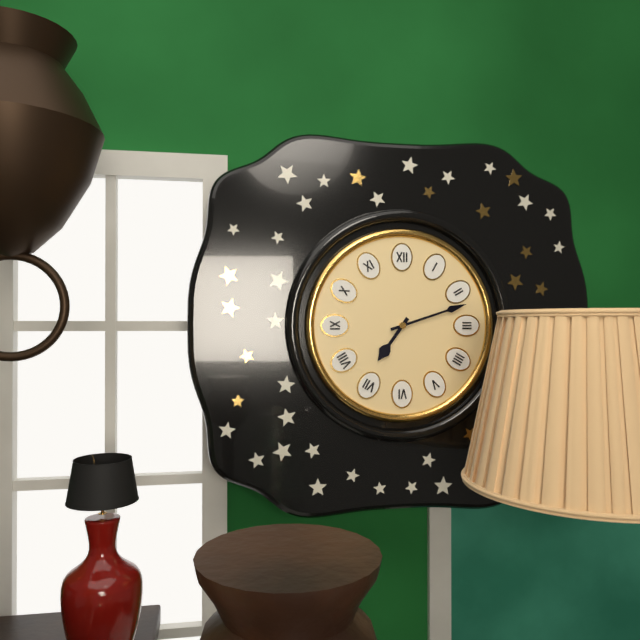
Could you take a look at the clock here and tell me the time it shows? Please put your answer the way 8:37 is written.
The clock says 7:12
